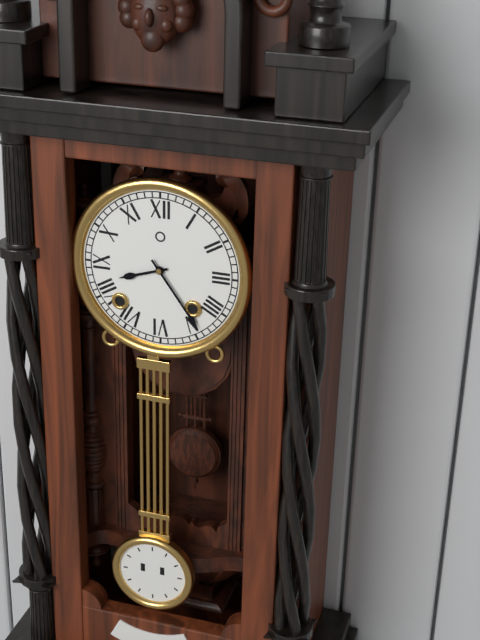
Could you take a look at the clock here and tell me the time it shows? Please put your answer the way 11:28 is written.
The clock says 8:24
